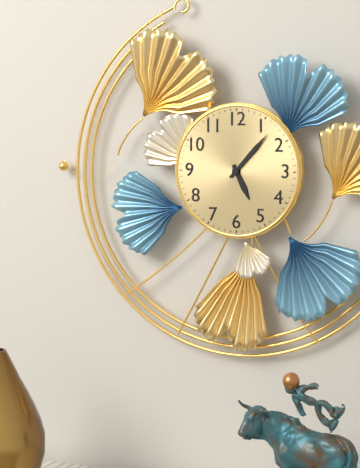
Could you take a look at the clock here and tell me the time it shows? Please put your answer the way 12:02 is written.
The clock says 5:07
